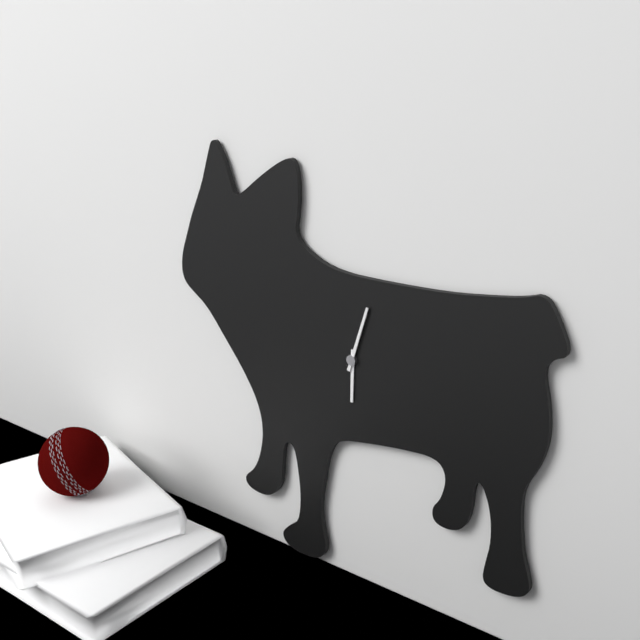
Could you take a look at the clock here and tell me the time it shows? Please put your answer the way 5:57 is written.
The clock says 6:03
